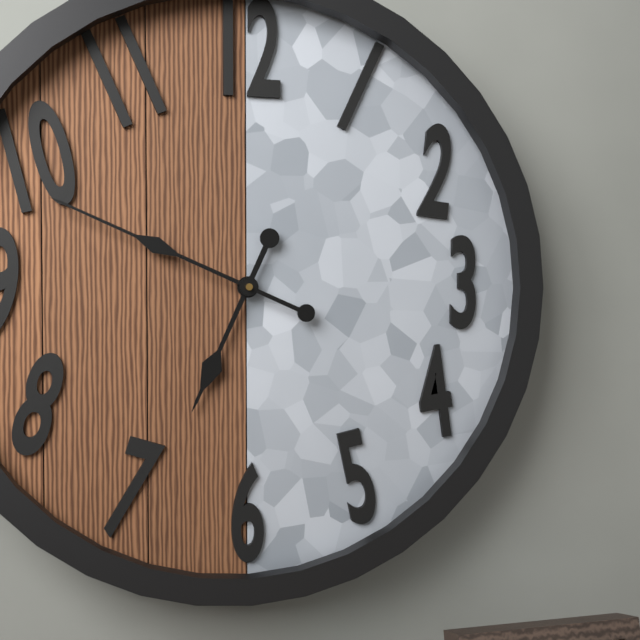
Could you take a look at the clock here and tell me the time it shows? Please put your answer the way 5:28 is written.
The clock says 6:49
